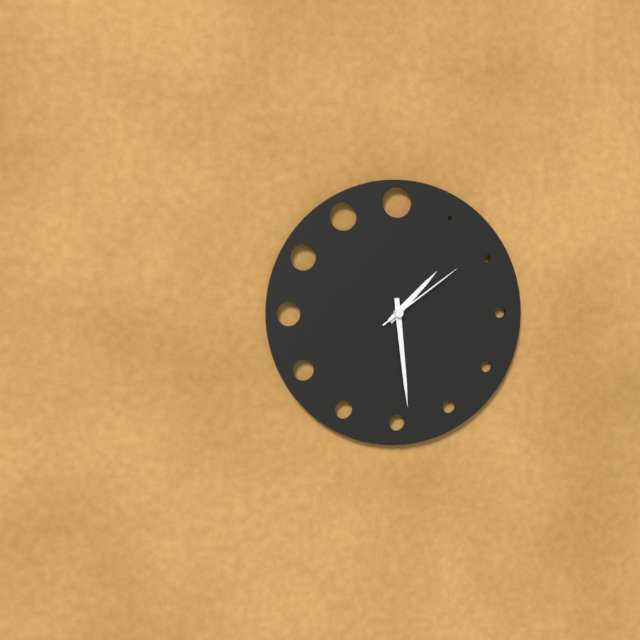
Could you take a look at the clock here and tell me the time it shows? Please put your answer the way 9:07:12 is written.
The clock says 1:29:09
